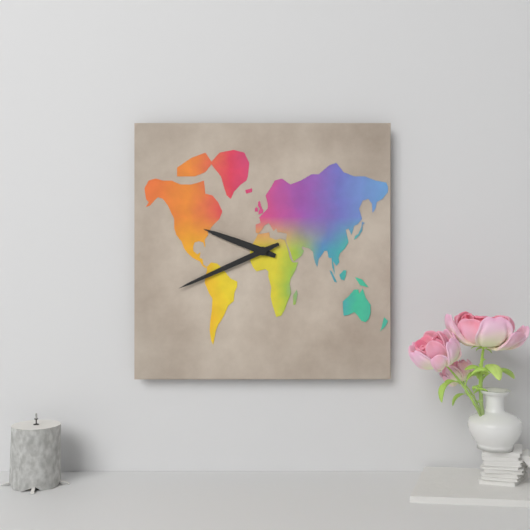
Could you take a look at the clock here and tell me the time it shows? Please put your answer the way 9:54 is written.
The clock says 9:41
